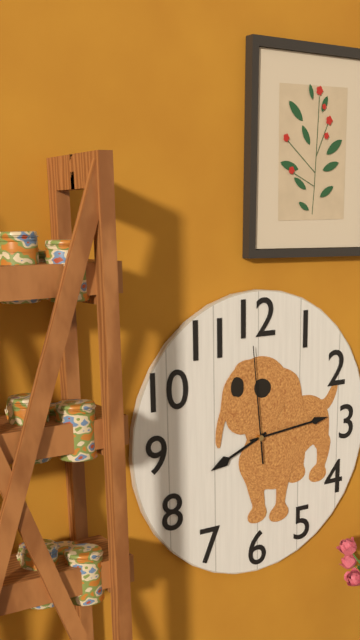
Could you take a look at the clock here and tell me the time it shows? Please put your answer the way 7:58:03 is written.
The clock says 8:14:59
